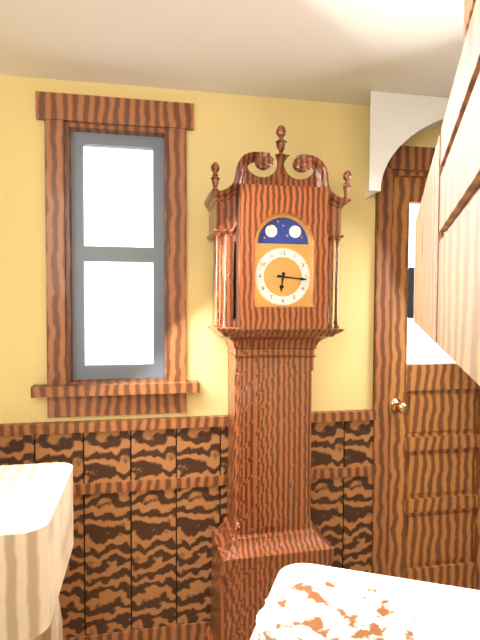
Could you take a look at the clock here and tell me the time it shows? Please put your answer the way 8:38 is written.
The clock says 6:16
